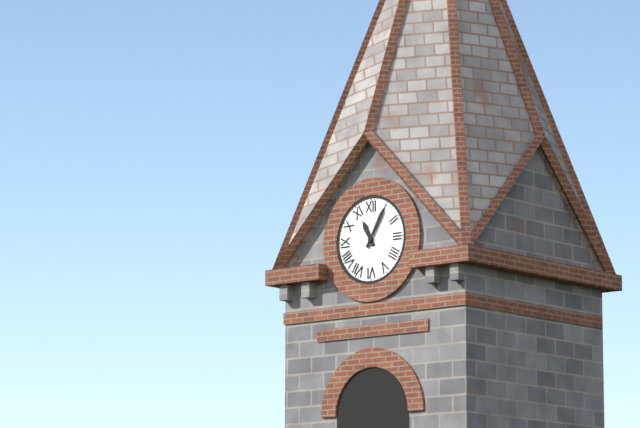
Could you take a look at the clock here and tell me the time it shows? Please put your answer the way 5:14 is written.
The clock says 11:05
